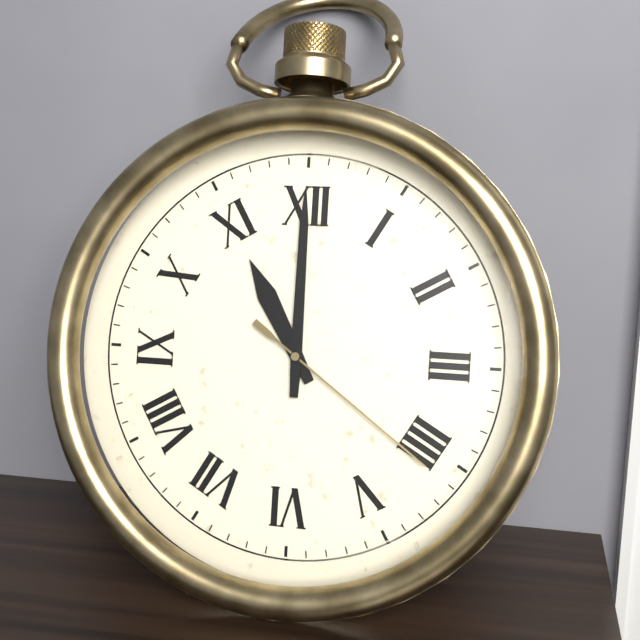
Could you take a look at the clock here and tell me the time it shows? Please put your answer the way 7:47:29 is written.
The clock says 11:00:21
